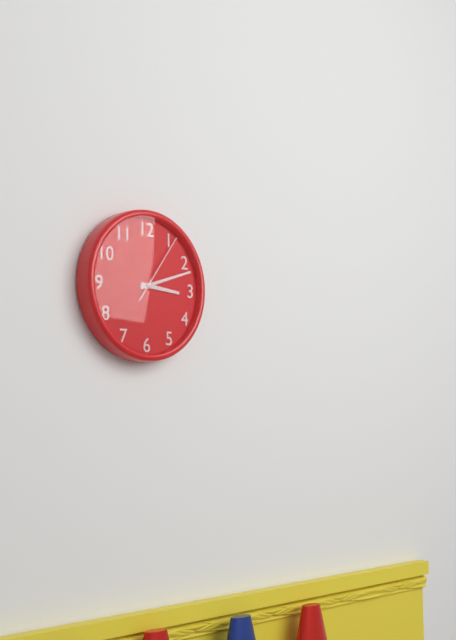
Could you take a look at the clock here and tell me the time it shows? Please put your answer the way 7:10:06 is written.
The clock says 3:12:06
